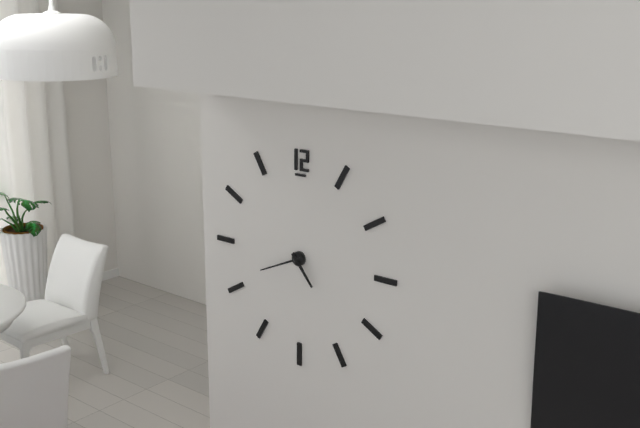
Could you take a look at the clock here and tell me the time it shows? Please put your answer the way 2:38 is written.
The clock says 4:41
